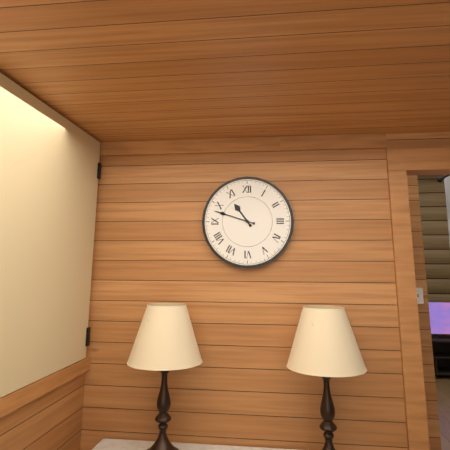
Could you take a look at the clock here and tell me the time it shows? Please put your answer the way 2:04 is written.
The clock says 10:48
